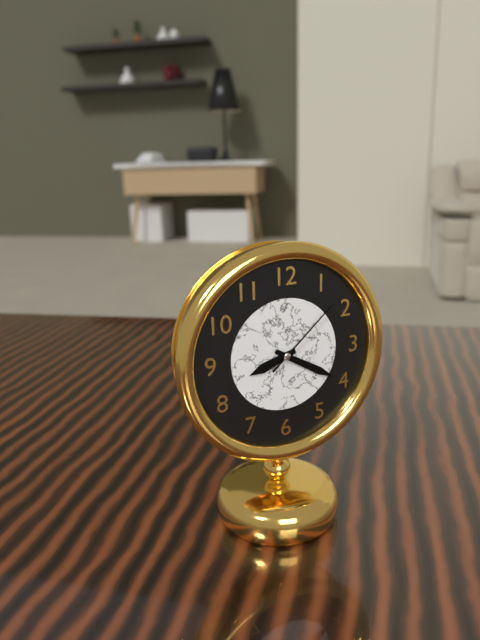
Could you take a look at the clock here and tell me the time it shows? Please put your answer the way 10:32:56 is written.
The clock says 8:20:08
